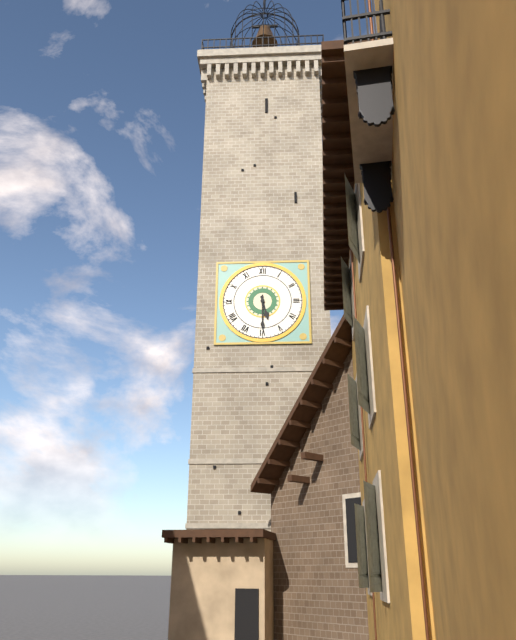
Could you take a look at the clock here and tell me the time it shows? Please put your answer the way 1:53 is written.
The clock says 5:30
